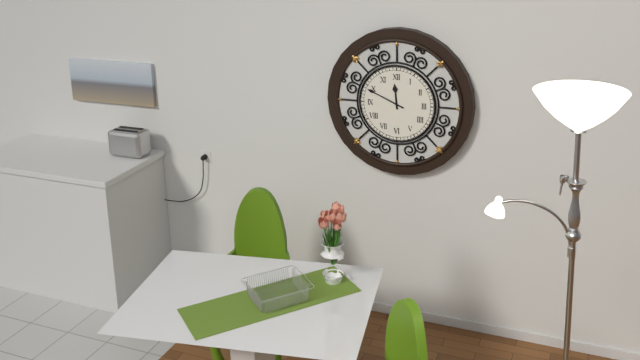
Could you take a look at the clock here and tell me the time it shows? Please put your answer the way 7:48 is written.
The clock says 11:49
